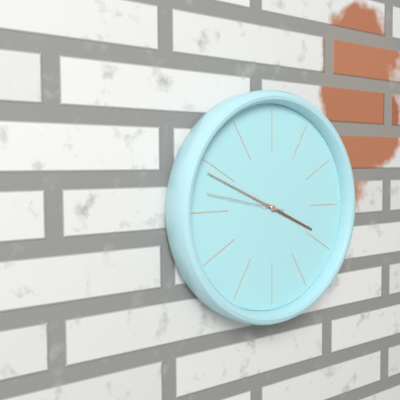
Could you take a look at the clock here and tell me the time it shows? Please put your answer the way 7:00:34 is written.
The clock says 3:49:47
